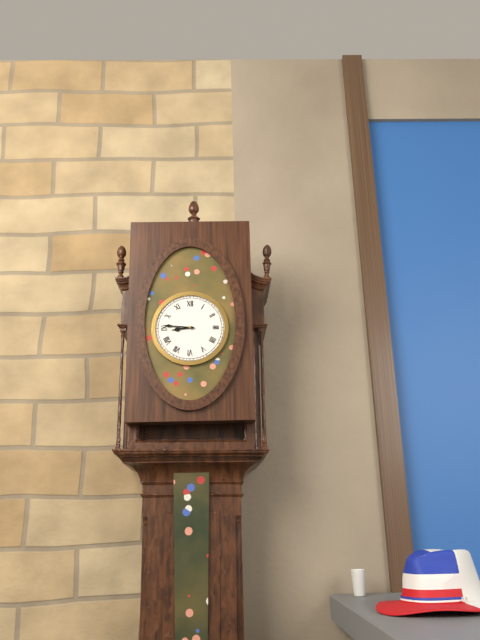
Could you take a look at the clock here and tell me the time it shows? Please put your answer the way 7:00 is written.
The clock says 8:46
